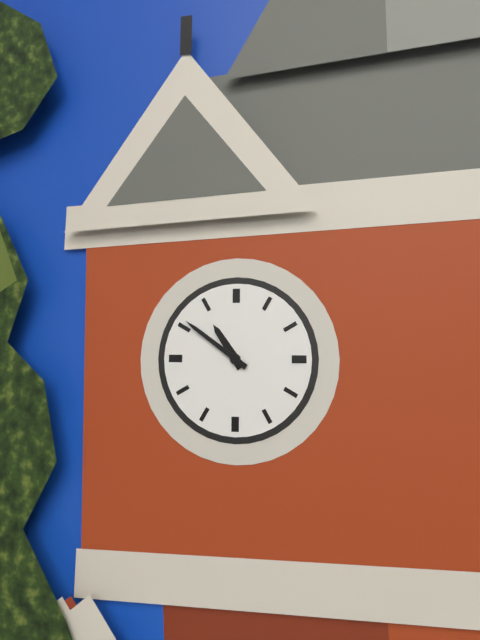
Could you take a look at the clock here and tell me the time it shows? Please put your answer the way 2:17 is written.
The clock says 10:51
